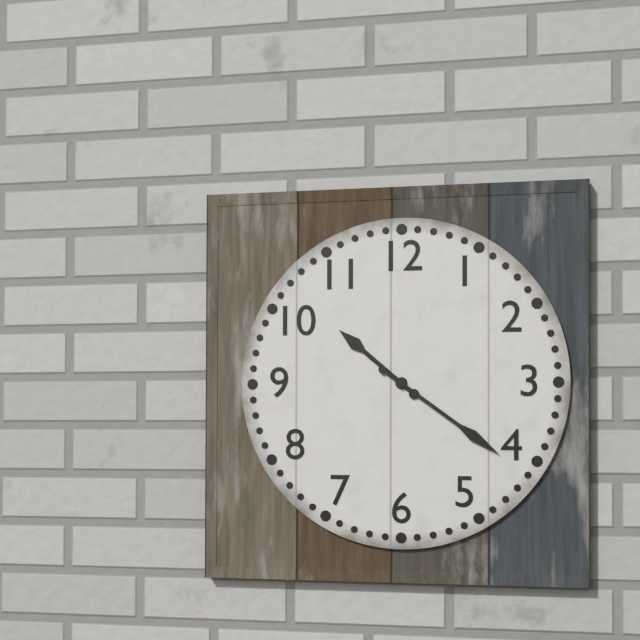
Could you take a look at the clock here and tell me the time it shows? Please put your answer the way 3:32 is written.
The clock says 10:21
